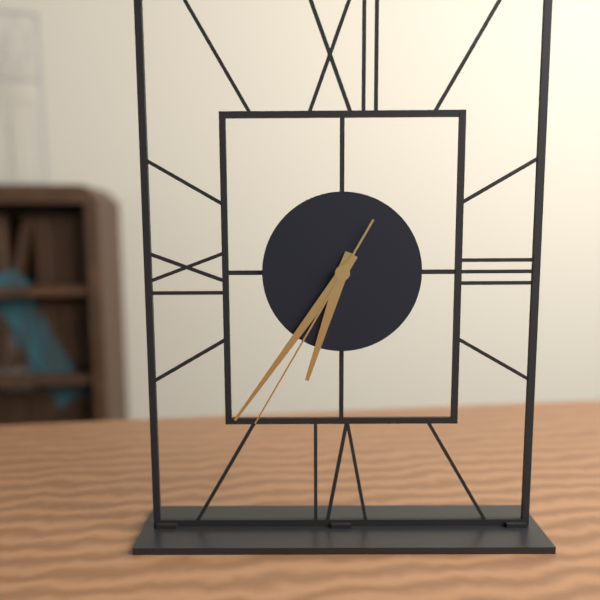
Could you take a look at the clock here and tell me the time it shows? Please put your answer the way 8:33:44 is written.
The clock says 6:36:35
